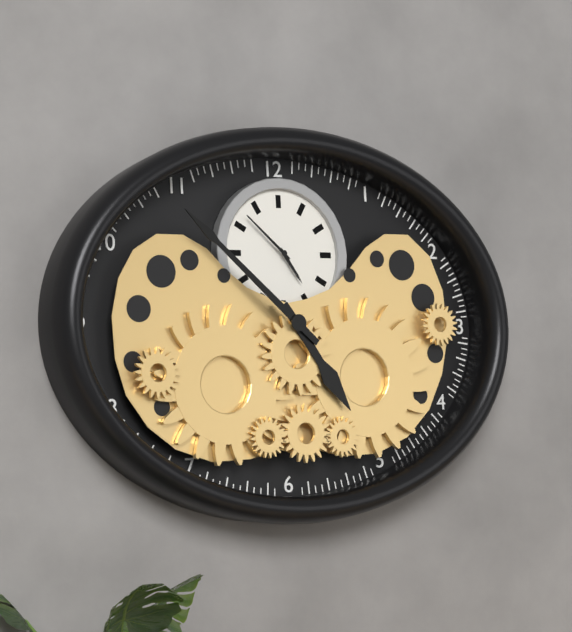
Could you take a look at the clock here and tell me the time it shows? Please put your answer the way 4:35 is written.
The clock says 4:52
